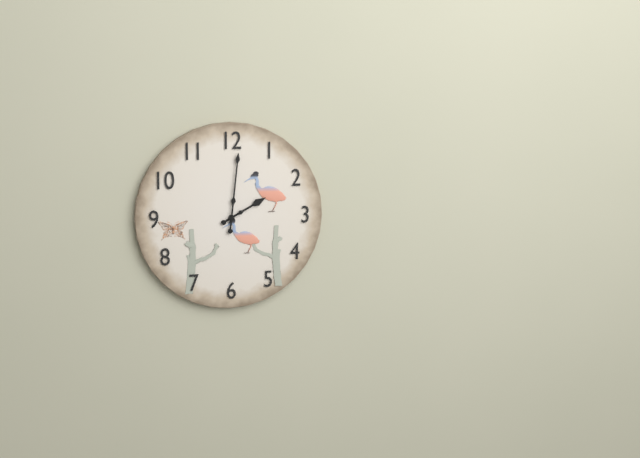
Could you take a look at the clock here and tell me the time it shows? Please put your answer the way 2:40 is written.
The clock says 2:01
